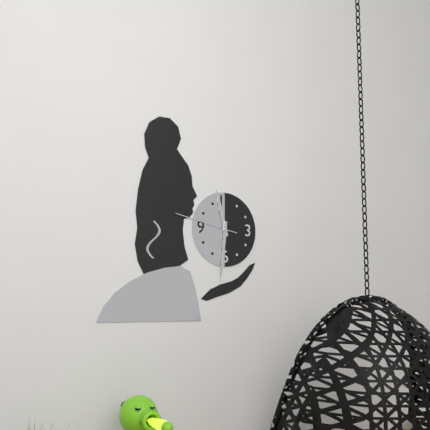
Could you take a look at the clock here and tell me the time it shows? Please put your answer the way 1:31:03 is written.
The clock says 11:31:47
